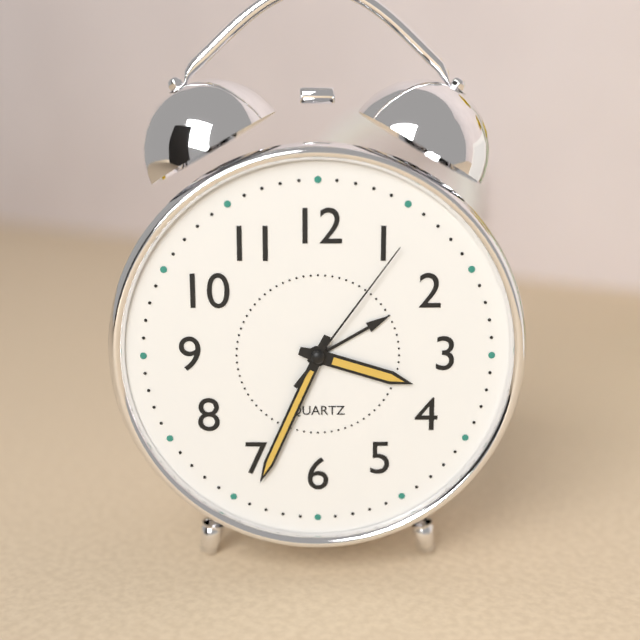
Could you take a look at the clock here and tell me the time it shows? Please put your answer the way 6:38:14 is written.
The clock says 3:34:06
